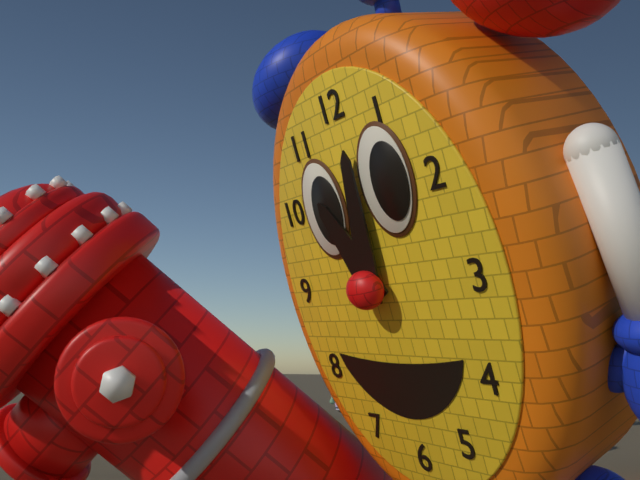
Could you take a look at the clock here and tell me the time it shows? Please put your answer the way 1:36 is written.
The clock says 11:01
